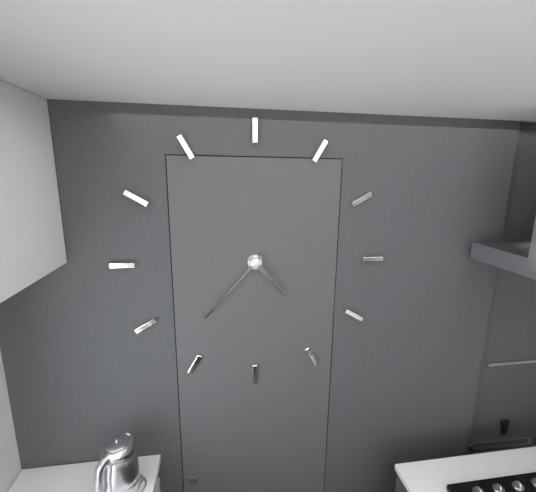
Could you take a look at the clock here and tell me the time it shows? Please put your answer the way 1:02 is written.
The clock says 4:37
